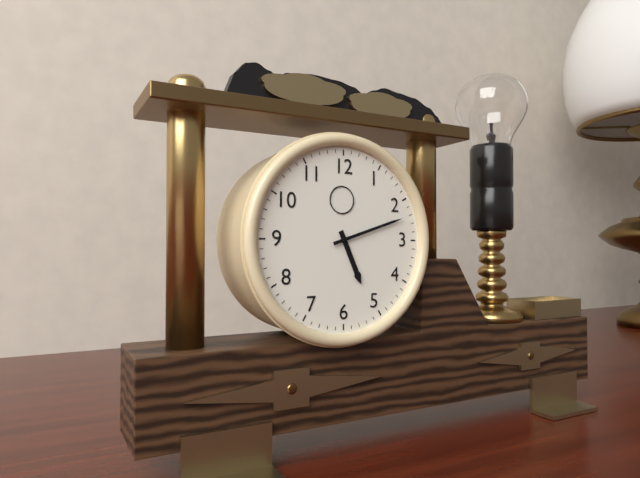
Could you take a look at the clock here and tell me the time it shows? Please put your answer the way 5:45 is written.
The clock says 5:12
